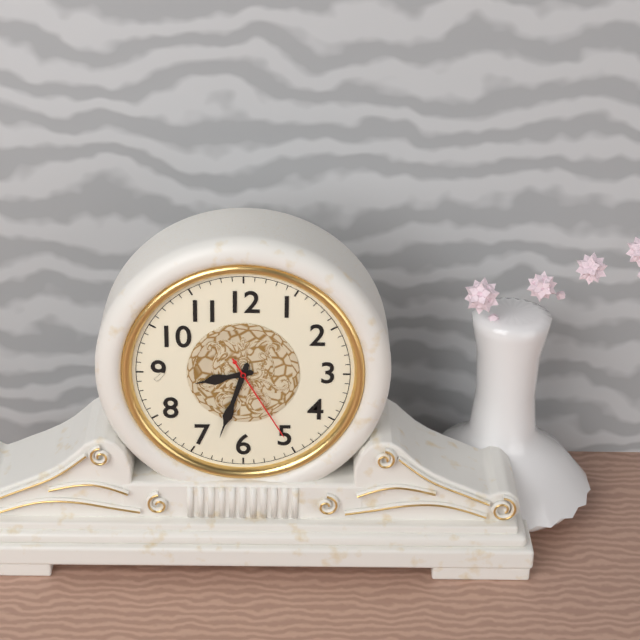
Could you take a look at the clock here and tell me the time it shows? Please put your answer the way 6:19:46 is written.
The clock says 8:33:25
